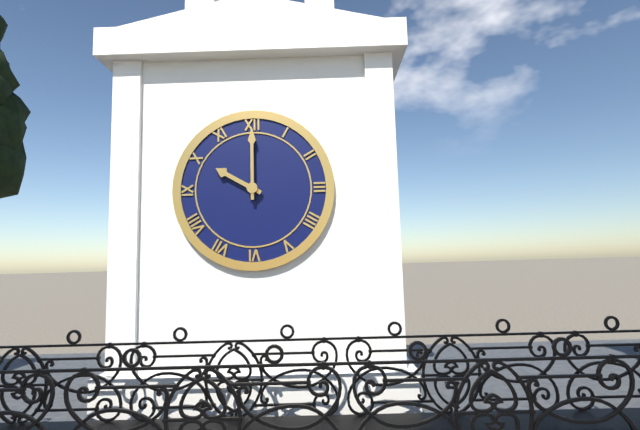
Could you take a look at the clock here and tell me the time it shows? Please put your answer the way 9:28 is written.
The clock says 10:00
